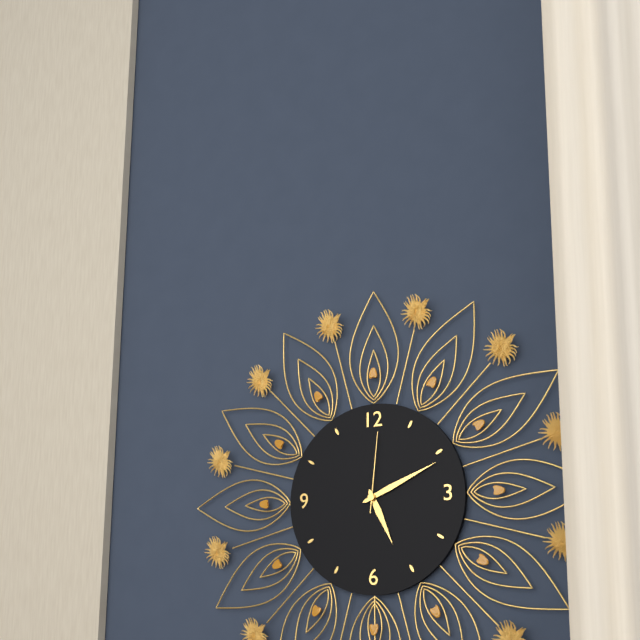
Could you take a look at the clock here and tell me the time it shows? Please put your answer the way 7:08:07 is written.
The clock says 5:11:01
